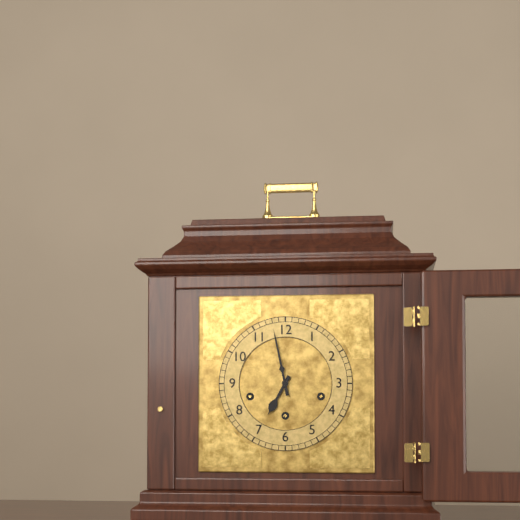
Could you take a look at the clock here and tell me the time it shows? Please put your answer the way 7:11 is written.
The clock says 6:58
